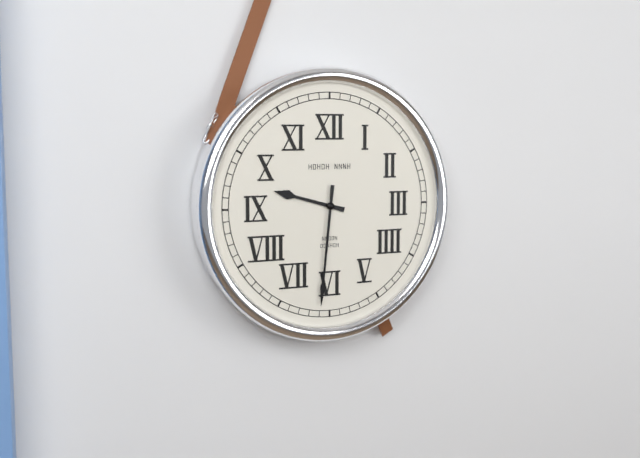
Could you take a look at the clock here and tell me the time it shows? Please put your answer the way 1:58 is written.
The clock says 9:31
